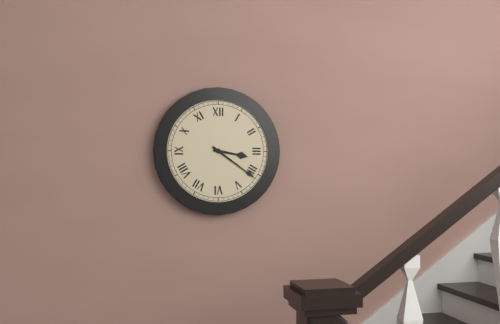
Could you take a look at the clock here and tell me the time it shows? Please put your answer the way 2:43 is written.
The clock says 3:21
